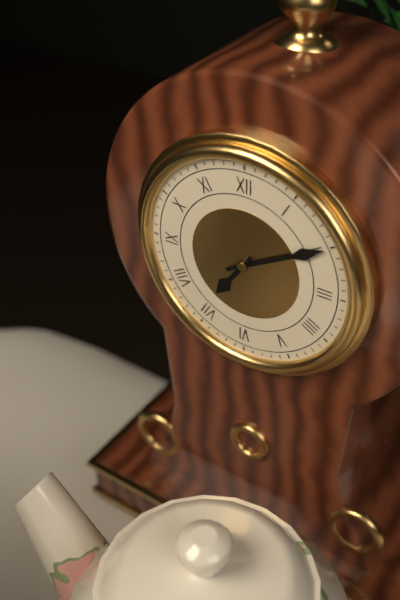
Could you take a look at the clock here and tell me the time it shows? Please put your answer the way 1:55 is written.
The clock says 7:10
